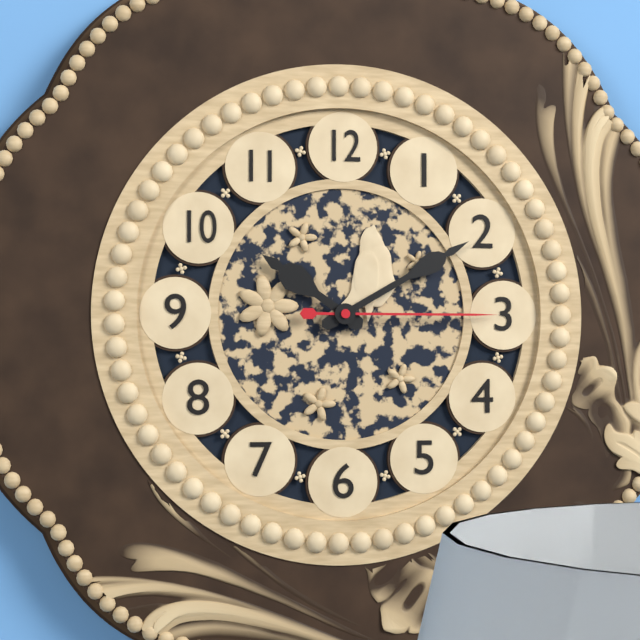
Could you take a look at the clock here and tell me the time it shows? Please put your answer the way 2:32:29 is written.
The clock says 10:10:15
